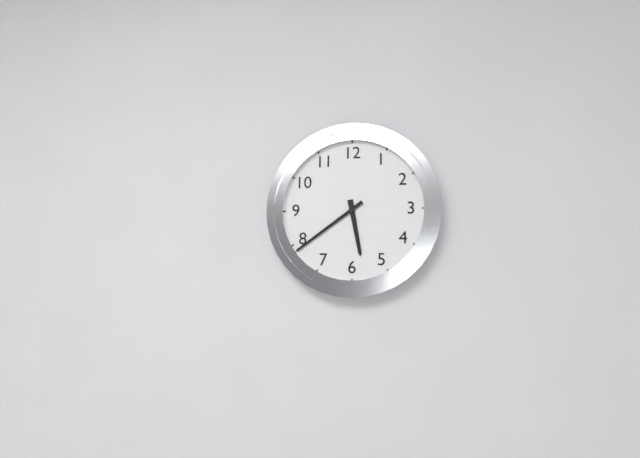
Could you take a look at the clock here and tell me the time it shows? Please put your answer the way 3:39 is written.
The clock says 5:39
